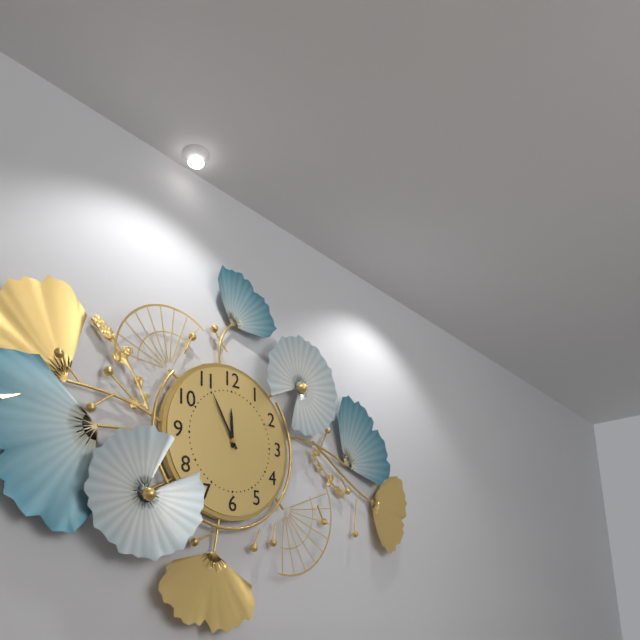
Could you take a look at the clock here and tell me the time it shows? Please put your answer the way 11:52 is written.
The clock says 11:55
